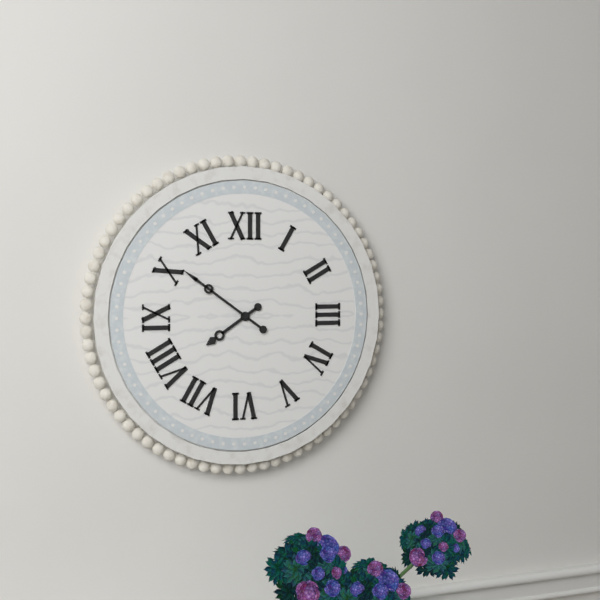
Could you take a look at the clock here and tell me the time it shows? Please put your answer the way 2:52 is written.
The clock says 7:51
